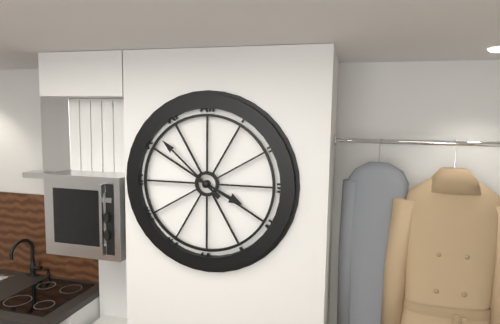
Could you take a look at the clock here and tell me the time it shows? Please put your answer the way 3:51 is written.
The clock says 3:52
